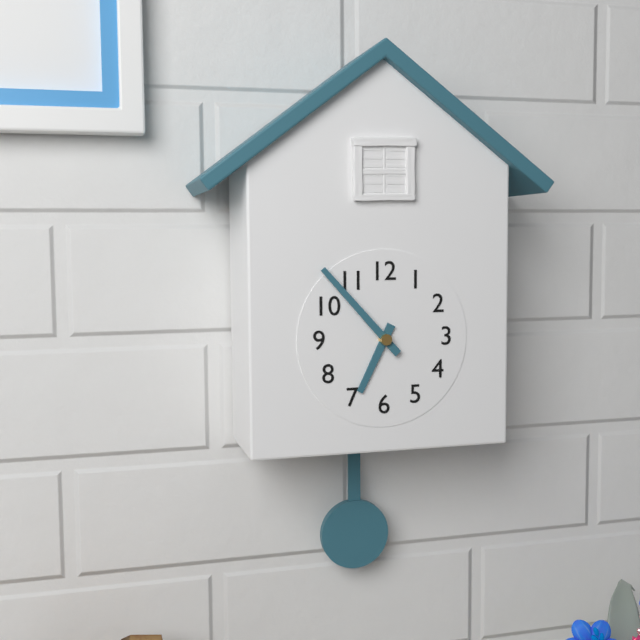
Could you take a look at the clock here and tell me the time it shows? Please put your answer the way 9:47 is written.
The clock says 6:53
